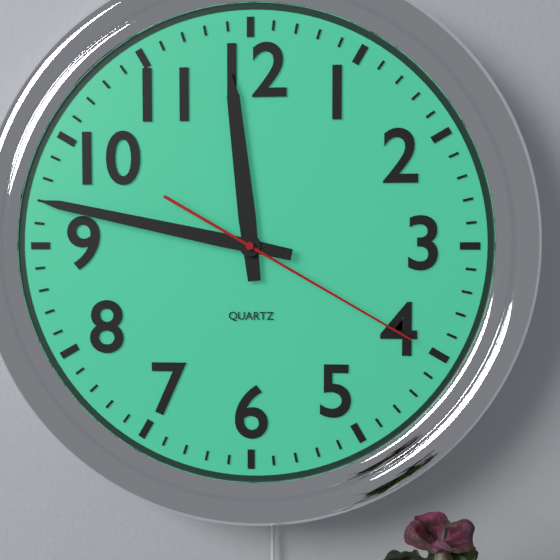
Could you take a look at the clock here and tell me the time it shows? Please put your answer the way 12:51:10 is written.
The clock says 11:47:20
